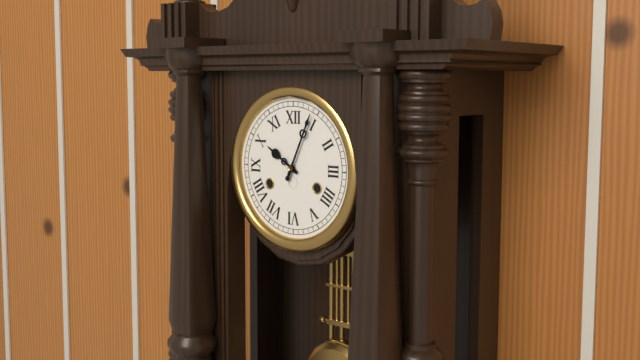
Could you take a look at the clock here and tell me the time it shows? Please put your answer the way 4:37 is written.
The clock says 10:04
